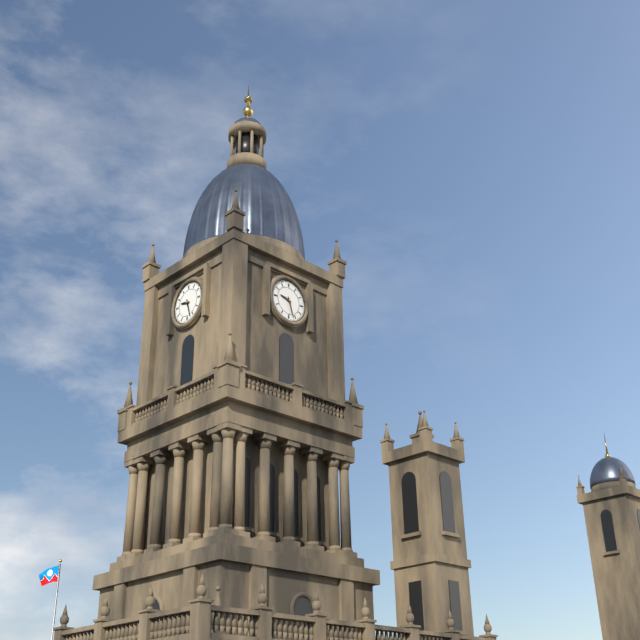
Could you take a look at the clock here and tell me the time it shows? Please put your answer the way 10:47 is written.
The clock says 9:27
